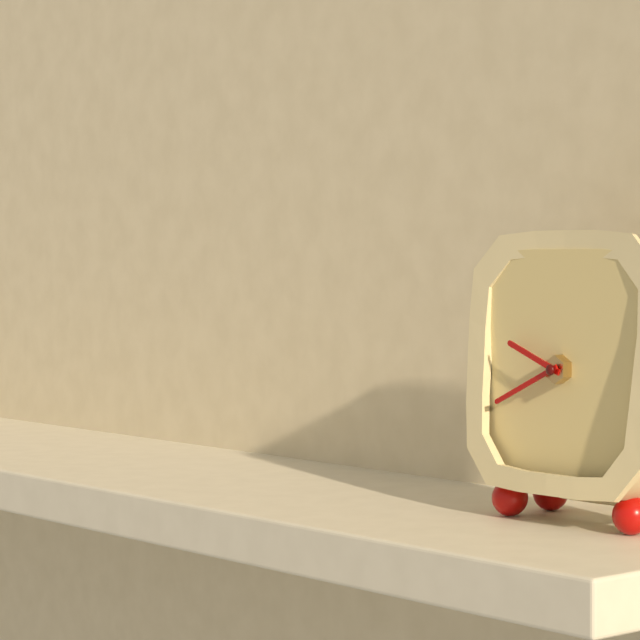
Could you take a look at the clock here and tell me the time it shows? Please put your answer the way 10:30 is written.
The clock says 9:41
